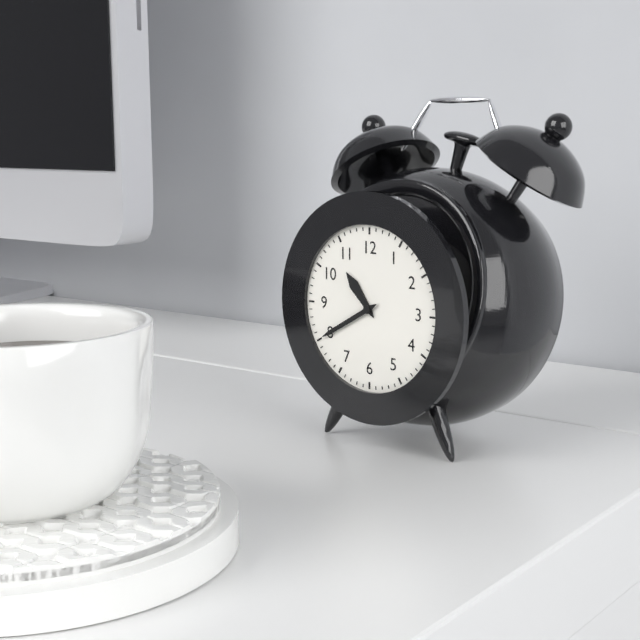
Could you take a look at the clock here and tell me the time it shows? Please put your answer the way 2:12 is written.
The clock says 10:40
